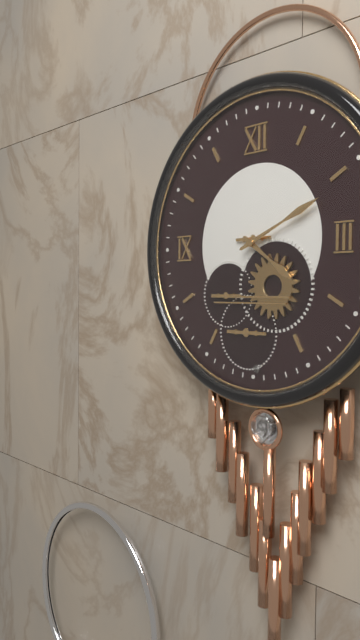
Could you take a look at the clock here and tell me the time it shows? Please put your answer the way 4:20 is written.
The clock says 4:11
